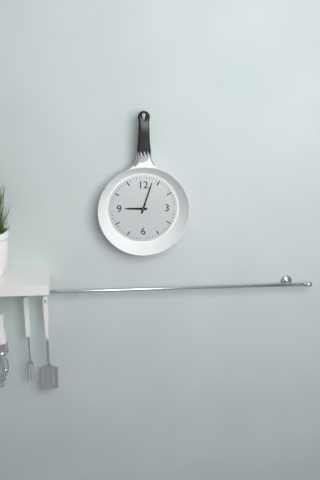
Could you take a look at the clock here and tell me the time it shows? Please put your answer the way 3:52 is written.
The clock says 9:03
